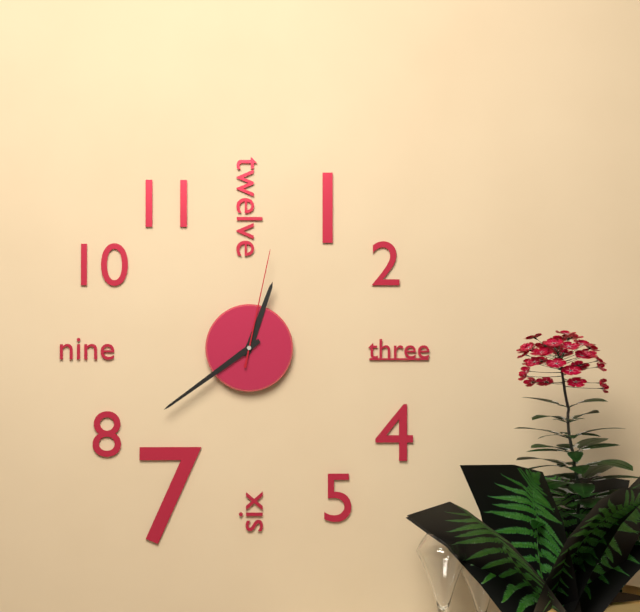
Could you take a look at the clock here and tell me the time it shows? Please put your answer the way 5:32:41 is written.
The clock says 12:39:02
